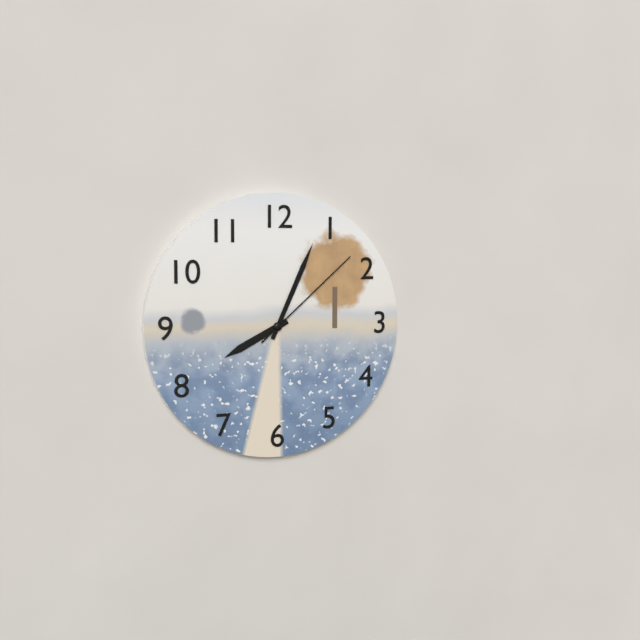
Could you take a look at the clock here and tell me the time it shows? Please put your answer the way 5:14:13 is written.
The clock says 8:04:08
